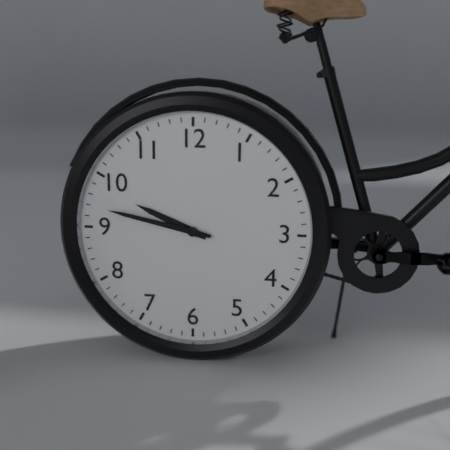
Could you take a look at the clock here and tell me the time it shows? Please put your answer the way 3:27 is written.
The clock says 9:47
